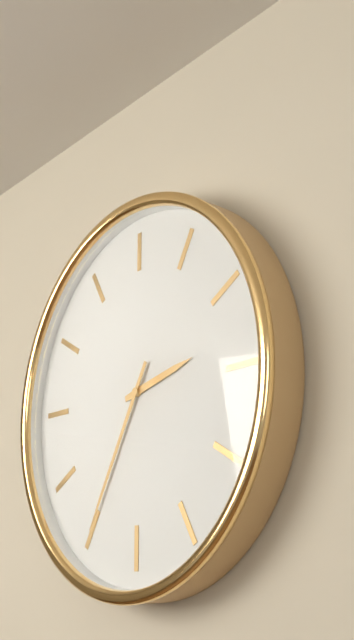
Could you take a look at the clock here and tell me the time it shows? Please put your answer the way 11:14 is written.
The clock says 2:35
